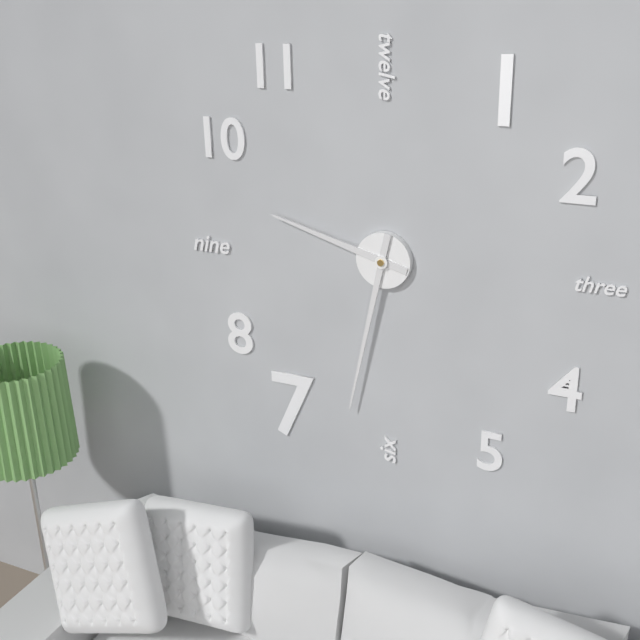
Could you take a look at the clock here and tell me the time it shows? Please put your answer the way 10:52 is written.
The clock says 9:32
